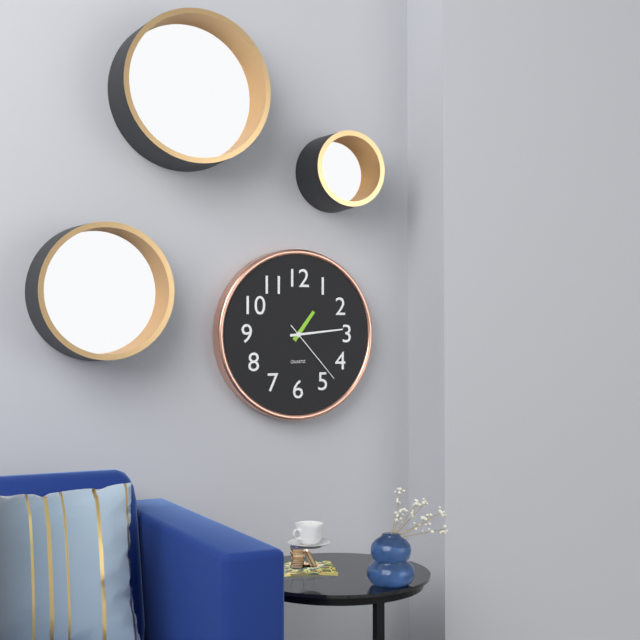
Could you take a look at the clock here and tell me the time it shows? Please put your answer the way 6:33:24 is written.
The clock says 1:14:23
